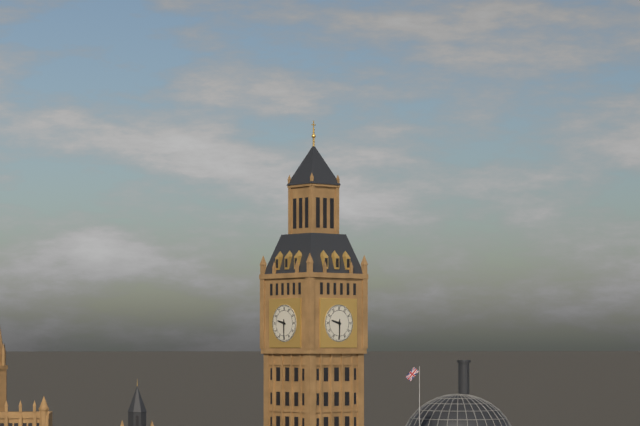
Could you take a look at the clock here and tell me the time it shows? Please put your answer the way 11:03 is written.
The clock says 9:30
